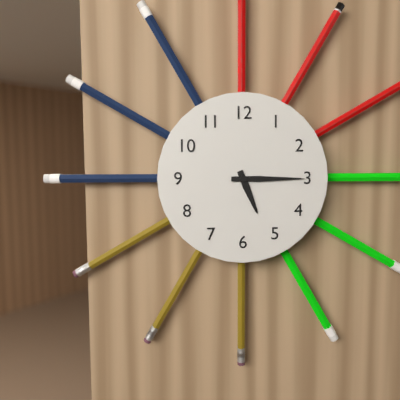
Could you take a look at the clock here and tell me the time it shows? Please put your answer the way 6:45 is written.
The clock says 5:15
